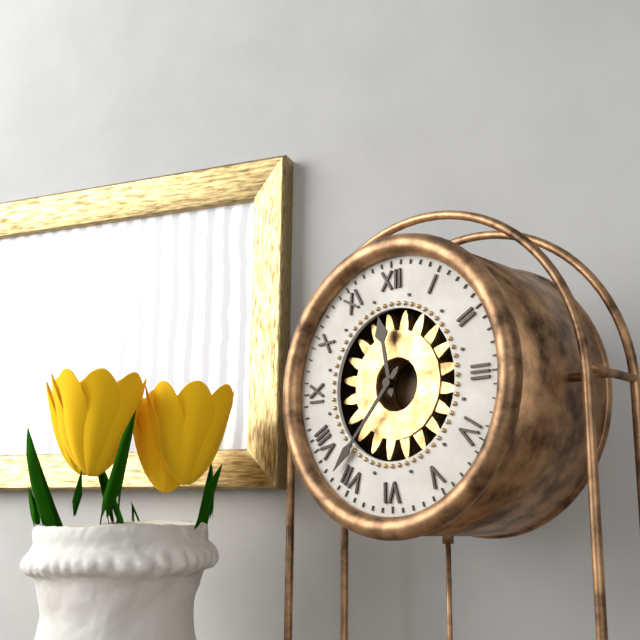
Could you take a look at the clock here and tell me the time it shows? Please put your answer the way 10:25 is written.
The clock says 11:37
